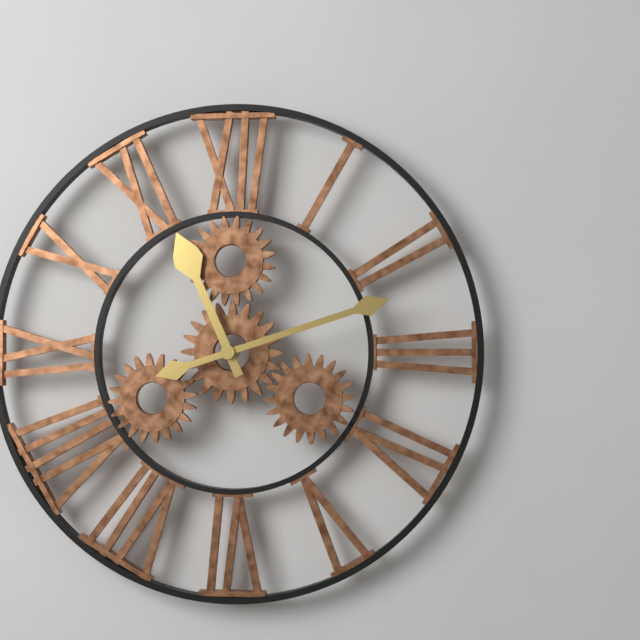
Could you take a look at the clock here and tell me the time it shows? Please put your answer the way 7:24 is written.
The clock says 11:12
